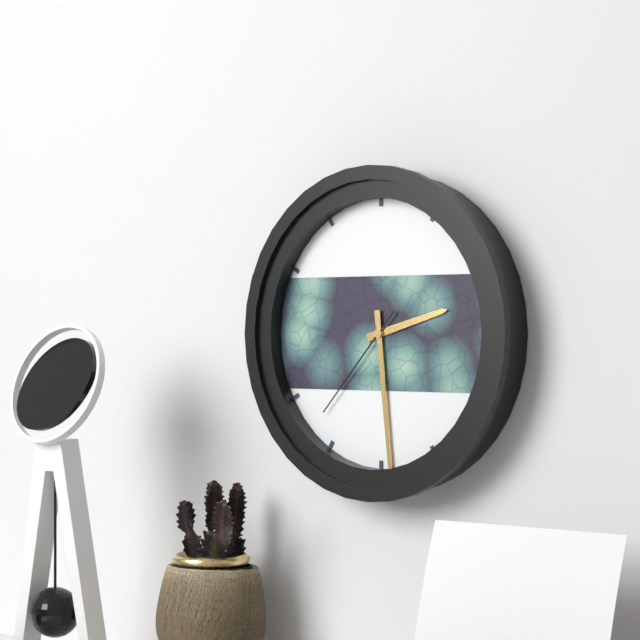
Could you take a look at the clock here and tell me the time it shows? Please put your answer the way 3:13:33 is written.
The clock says 2:29:37
